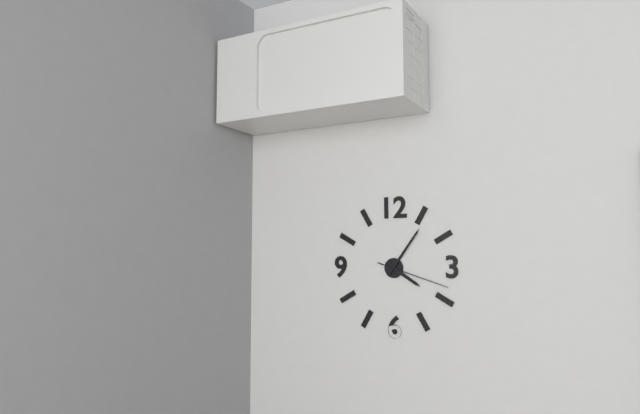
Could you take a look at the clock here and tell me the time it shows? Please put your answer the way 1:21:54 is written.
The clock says 4:06:18
